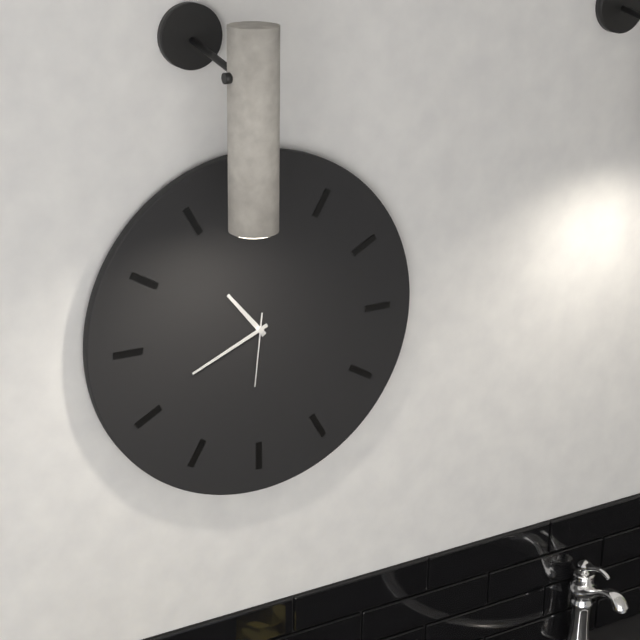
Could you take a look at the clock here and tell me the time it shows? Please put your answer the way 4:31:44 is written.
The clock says 10:41:31
